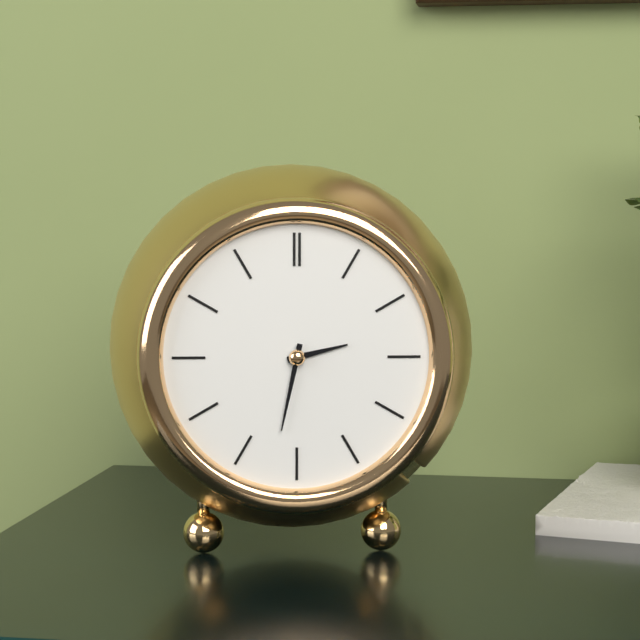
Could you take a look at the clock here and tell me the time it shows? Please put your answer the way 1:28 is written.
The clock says 2:32
